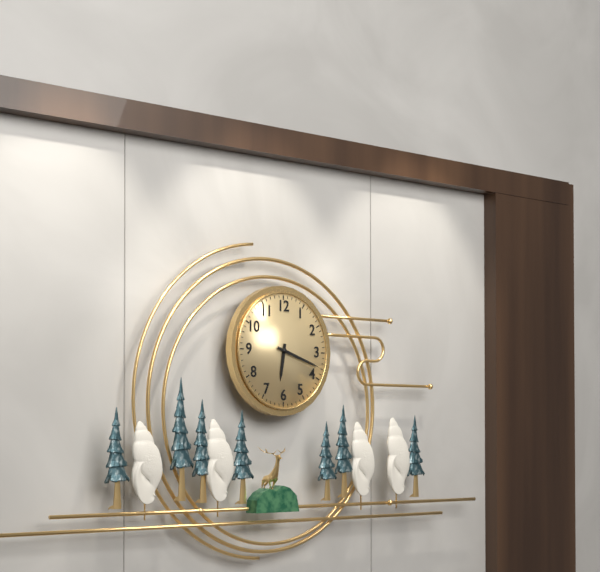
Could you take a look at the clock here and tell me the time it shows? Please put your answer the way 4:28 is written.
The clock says 6:18
